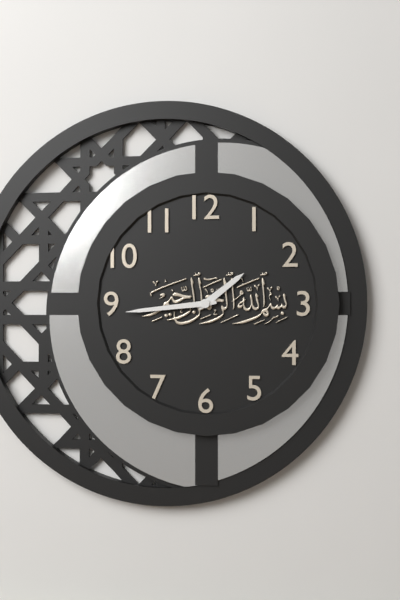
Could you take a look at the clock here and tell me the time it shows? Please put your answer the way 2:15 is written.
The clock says 1:44
